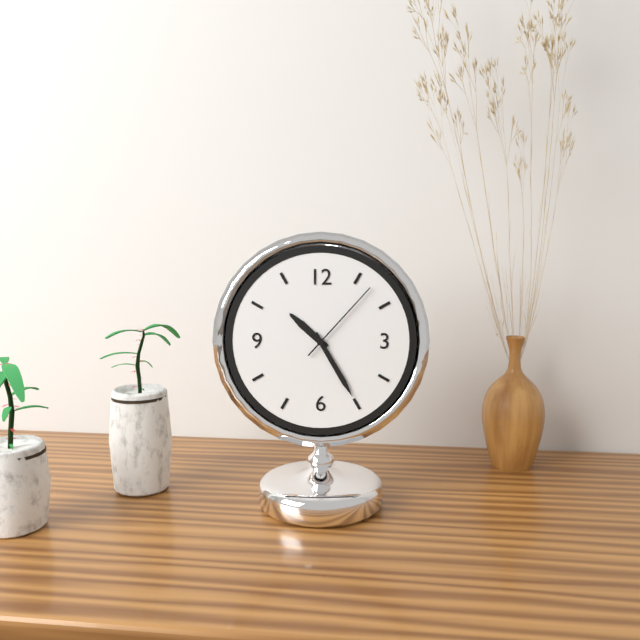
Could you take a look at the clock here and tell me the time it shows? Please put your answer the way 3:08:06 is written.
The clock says 10:25:07
